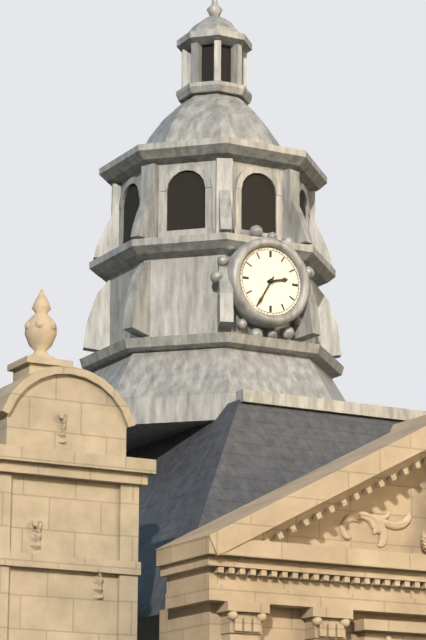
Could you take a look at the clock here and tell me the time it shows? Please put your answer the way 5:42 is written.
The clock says 2:35
